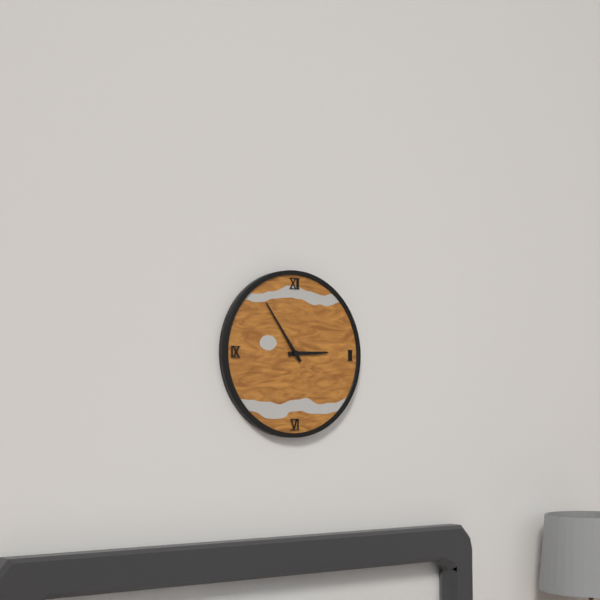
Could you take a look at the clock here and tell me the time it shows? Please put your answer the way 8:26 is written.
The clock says 2:54
